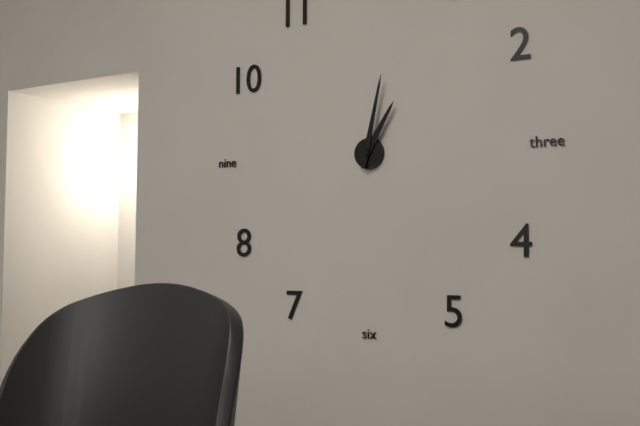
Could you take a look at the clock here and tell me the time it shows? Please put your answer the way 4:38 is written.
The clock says 1:02
